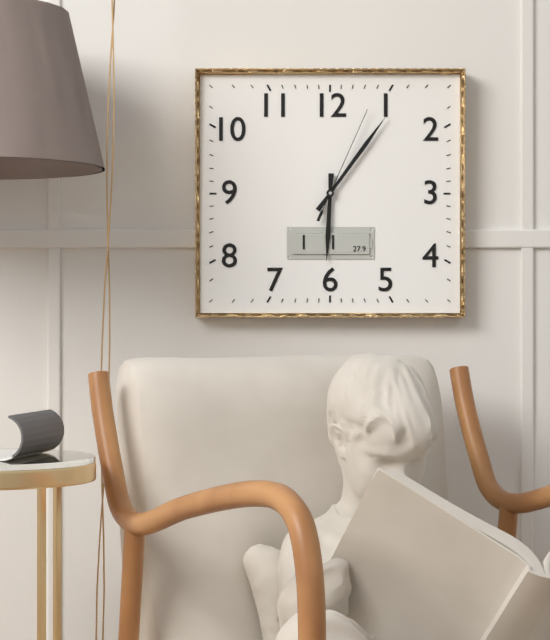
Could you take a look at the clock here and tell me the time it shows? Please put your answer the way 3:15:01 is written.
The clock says 6:06:04
